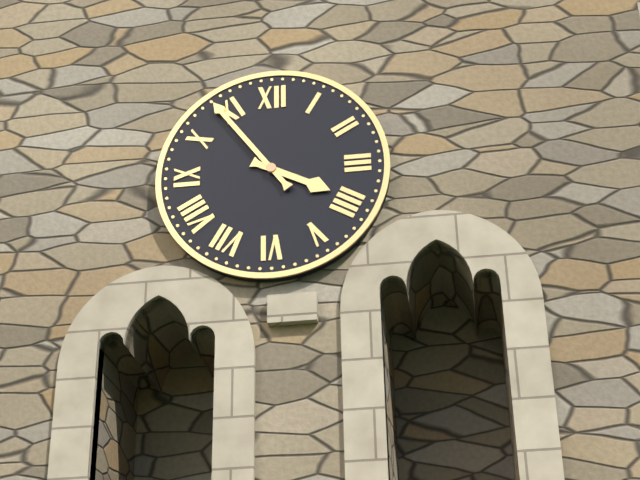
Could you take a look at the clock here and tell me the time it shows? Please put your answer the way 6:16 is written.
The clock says 3:54
